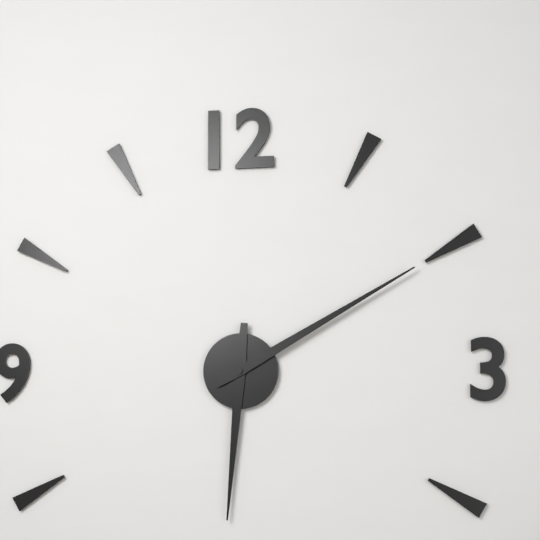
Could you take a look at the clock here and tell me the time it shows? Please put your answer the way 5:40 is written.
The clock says 6:10
